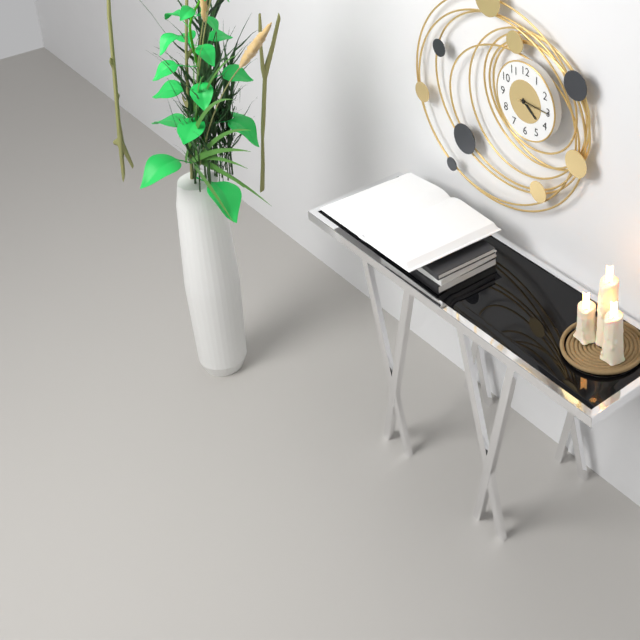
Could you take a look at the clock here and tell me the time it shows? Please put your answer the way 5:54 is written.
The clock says 4:15
